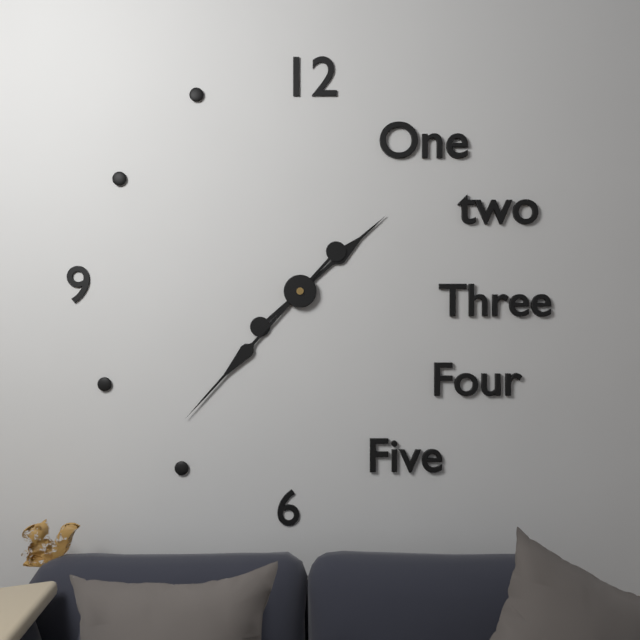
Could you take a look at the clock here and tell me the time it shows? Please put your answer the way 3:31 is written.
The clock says 1:37
